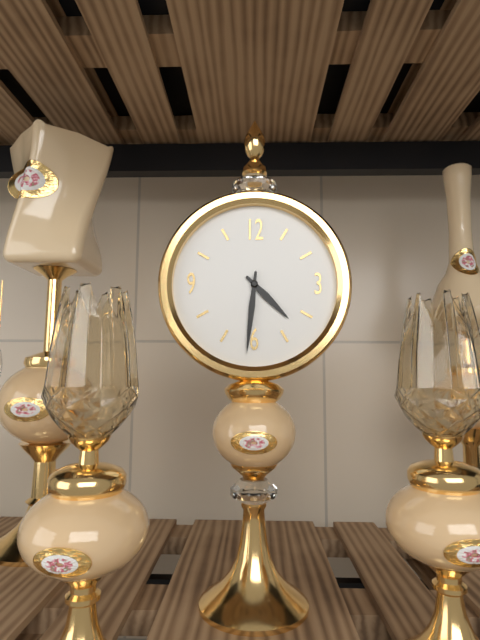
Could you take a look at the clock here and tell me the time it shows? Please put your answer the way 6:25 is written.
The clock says 4:31
